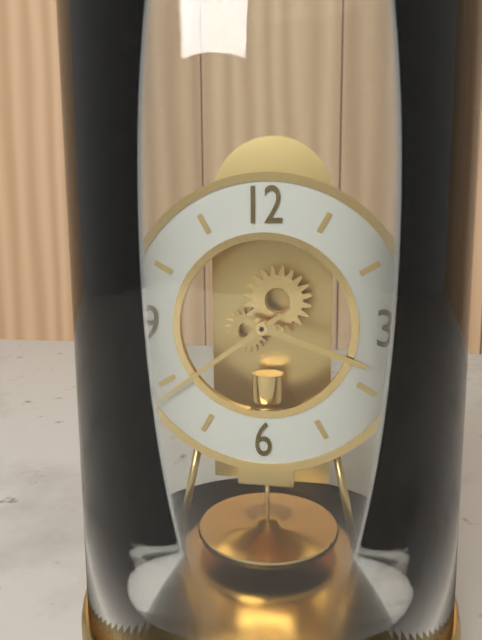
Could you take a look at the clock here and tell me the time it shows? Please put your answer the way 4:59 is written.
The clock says 3:39
